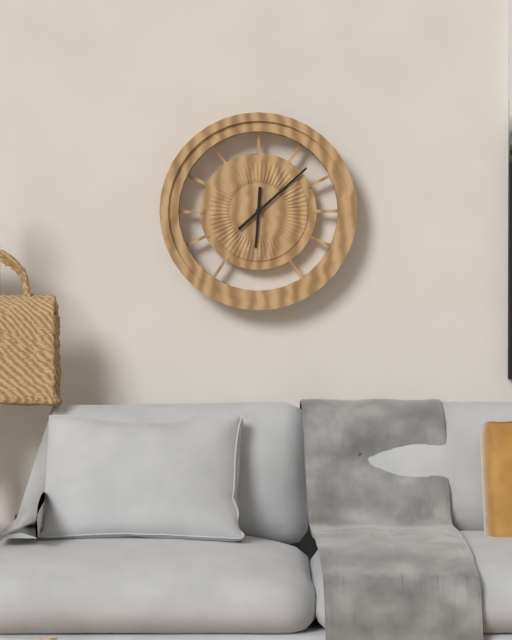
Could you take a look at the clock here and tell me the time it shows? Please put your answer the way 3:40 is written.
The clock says 6:08
